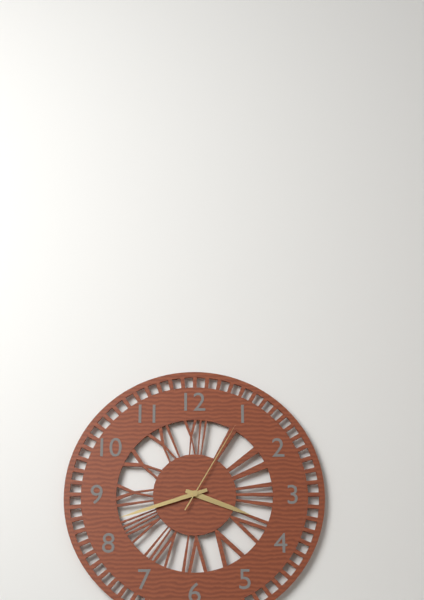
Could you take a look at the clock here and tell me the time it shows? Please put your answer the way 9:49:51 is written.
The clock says 3:42:05
